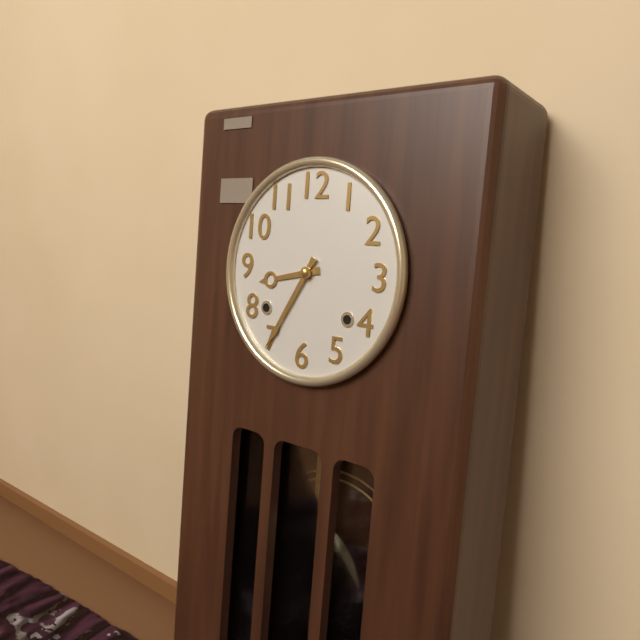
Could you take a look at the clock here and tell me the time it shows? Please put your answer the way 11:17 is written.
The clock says 8:35
